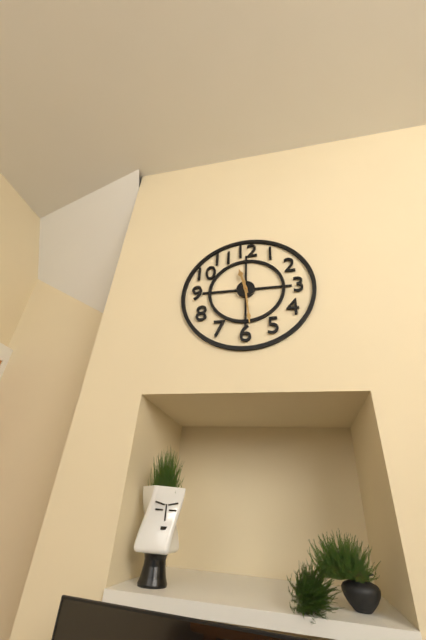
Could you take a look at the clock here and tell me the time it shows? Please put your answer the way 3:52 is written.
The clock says 11:29
